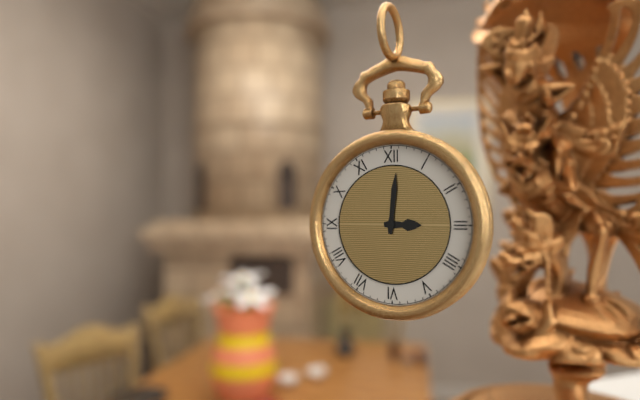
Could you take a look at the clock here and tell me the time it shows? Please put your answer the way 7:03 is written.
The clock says 3:01
